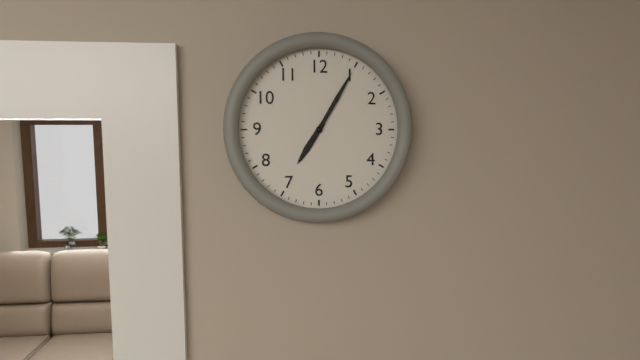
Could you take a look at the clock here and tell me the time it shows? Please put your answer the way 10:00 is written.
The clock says 7:05
